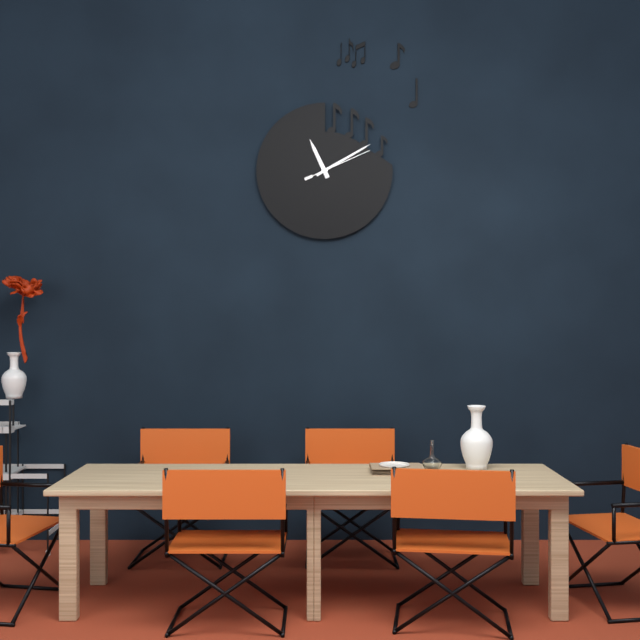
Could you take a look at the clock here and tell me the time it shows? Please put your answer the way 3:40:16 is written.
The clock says 11:10:11
